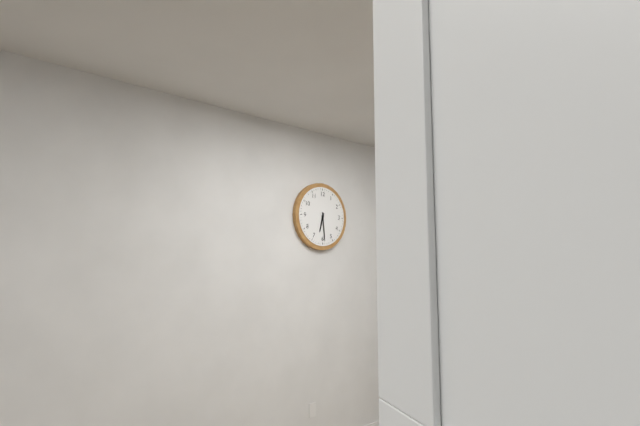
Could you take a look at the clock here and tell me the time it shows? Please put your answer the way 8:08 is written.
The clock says 6:29
